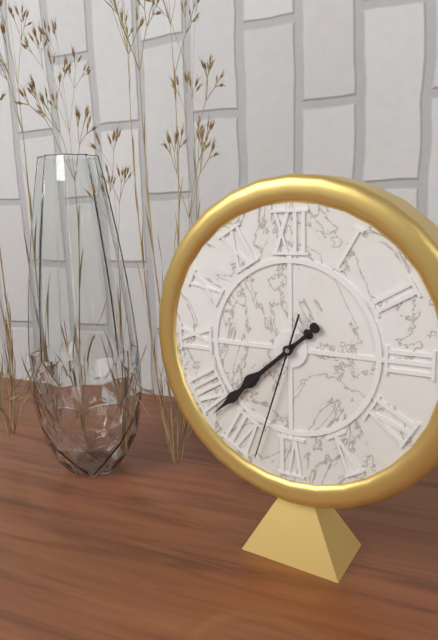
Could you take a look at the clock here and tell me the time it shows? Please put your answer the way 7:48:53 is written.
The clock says 7:38:33
